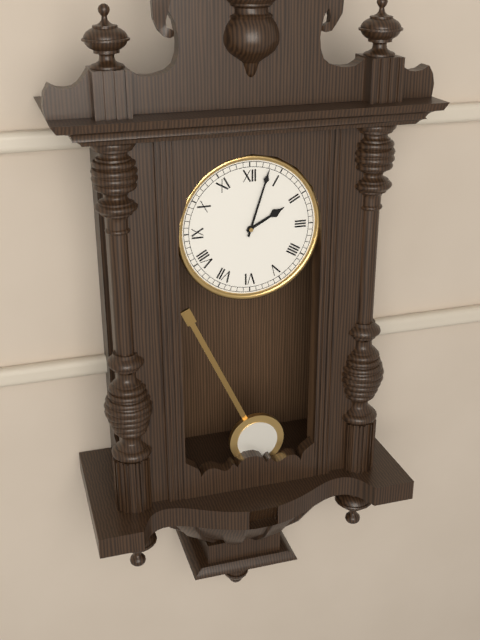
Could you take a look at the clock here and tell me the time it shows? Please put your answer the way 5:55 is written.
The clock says 2:03
